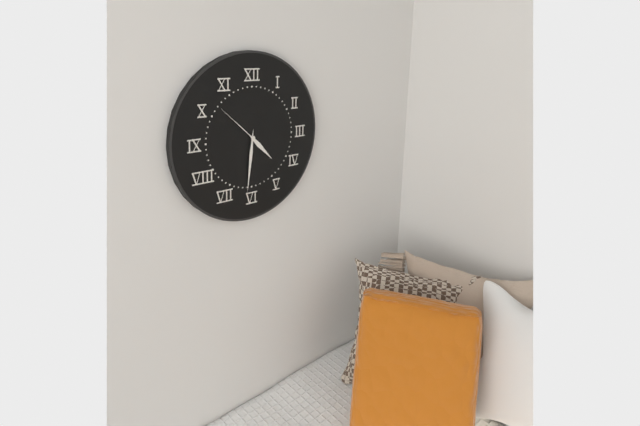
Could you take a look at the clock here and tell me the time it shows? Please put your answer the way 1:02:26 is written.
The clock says 4:31:52
